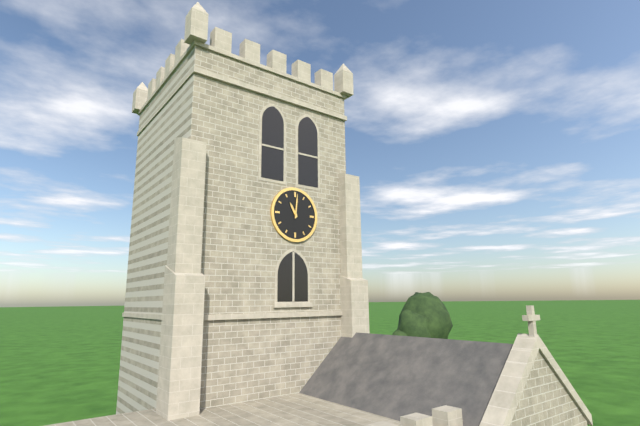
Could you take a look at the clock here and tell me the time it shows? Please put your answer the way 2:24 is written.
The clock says 11:01
